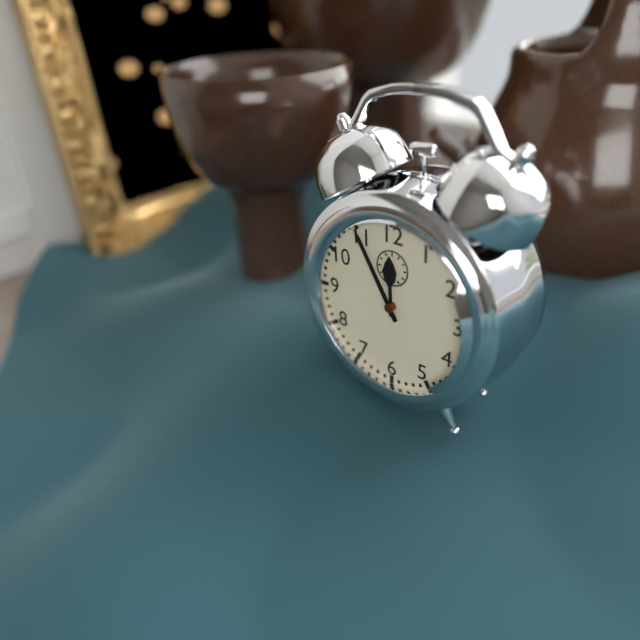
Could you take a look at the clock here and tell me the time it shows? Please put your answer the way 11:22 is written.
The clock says 11:55
